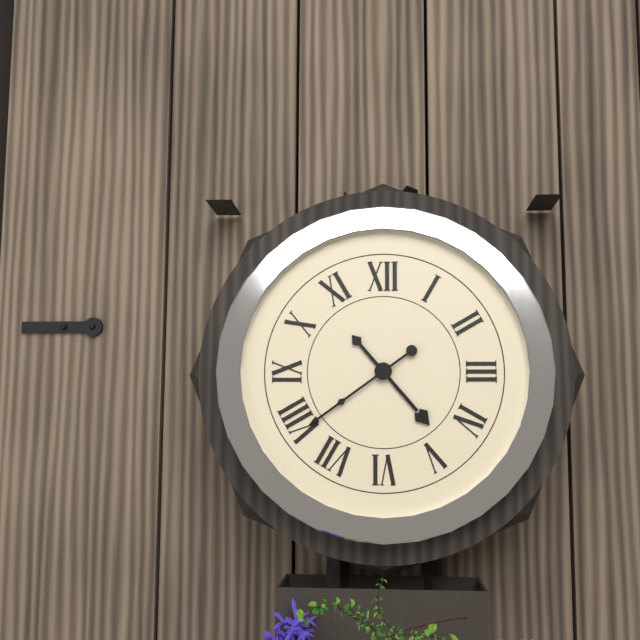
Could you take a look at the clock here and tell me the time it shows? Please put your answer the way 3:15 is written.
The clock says 4:39
